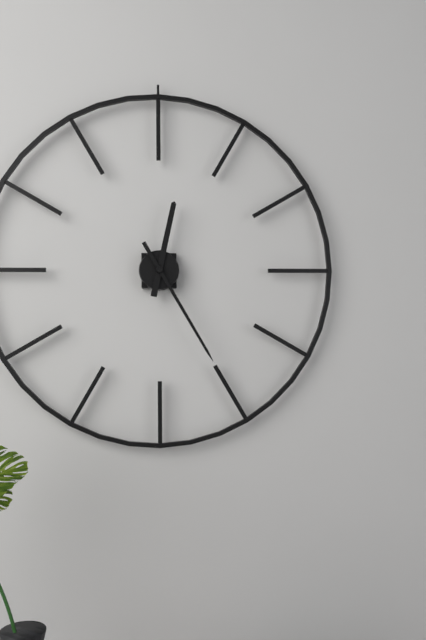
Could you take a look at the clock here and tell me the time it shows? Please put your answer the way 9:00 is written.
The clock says 12:25
